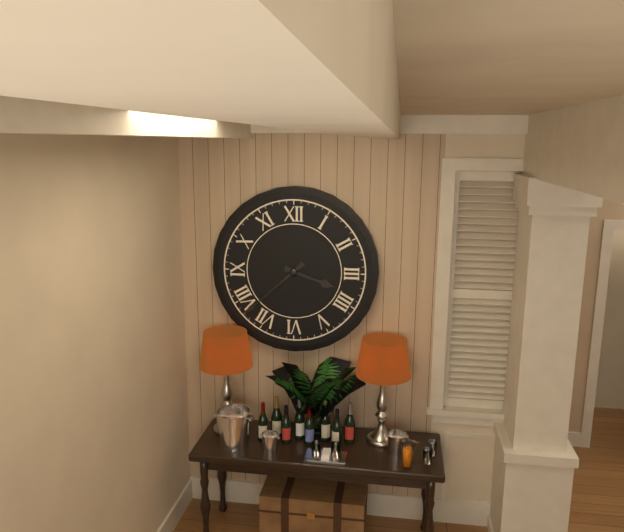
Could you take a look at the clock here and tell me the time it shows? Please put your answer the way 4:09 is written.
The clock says 3:38
